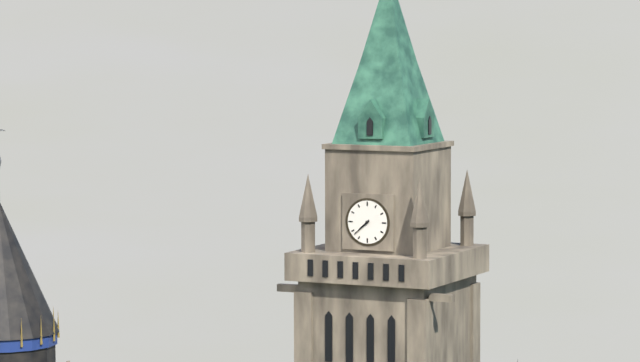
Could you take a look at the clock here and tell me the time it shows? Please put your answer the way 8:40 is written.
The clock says 7:38
